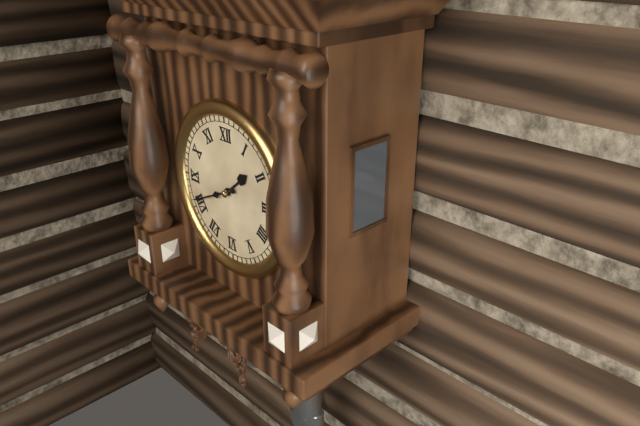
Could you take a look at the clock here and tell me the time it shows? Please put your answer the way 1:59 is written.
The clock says 1:41
